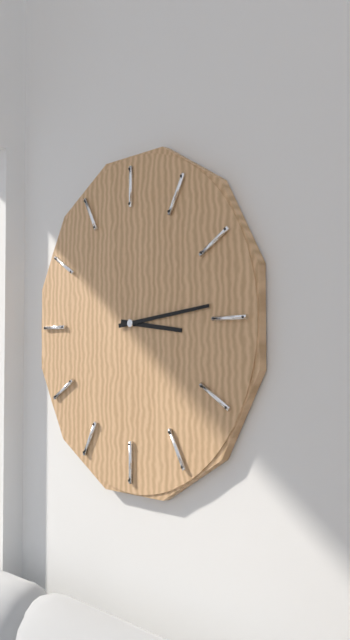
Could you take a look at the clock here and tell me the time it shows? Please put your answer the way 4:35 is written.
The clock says 3:14
